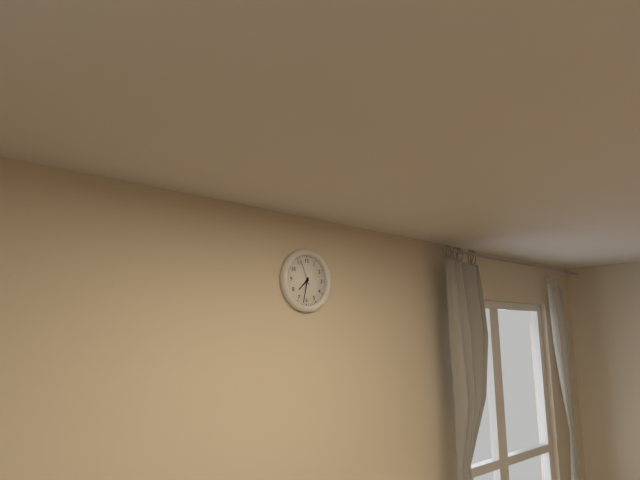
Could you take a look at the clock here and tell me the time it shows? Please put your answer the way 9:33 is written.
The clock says 7:32
